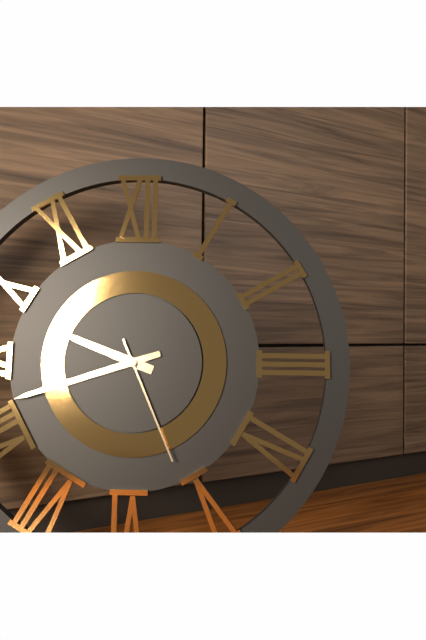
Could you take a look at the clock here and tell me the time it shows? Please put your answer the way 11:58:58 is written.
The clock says 9:42:26
